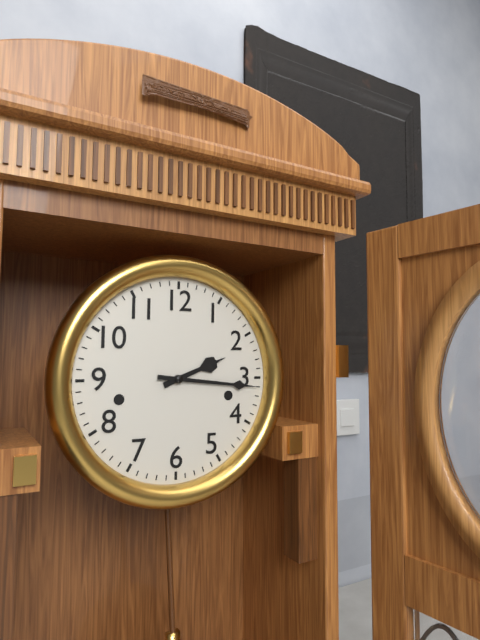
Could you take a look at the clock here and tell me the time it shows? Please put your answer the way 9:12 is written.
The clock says 2:16
